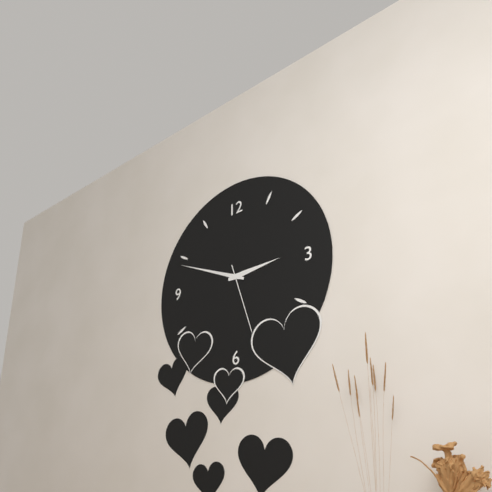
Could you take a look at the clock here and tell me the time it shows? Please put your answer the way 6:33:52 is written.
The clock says 2:49:27
